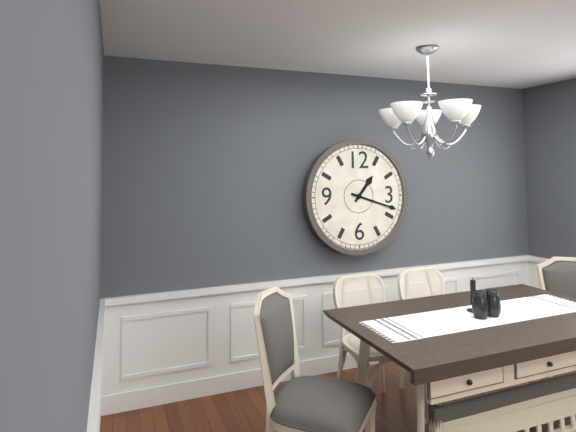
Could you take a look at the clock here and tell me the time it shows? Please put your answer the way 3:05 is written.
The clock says 1:18
